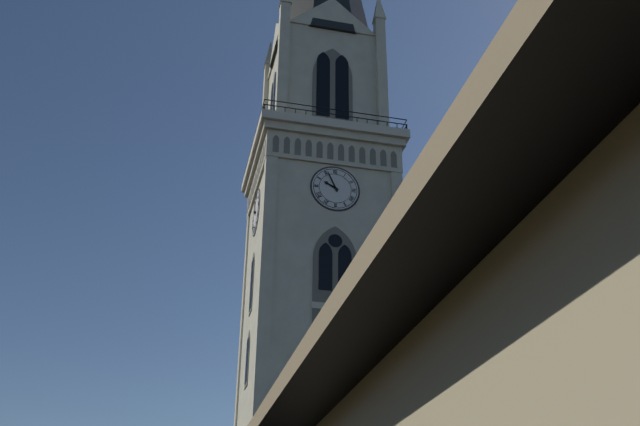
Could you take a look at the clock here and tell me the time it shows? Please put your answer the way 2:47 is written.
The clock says 9:56
